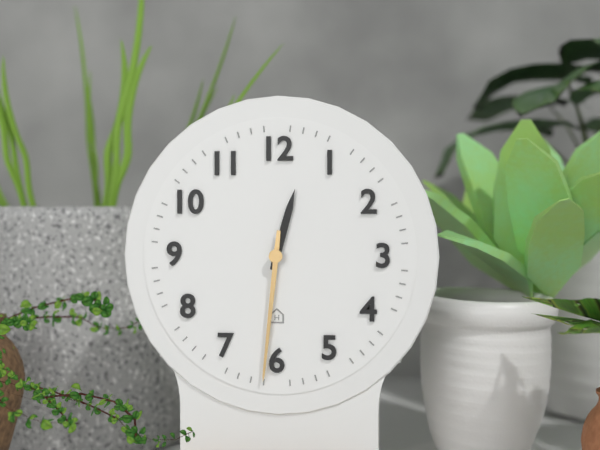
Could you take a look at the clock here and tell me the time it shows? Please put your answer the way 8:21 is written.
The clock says 12:31
